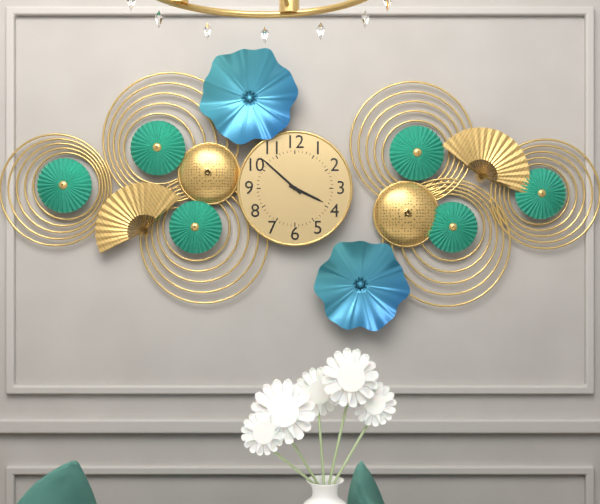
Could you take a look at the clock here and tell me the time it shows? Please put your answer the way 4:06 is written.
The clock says 3:52
